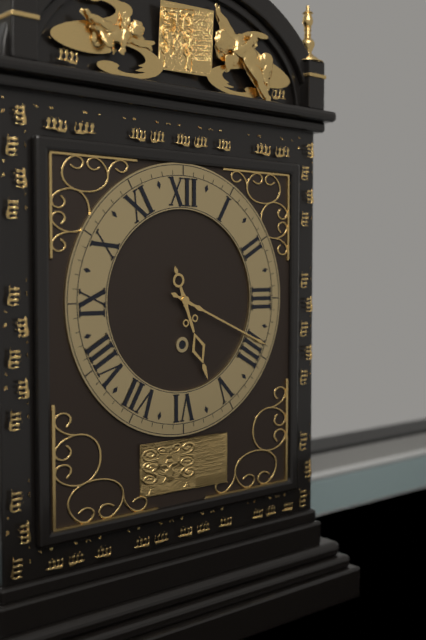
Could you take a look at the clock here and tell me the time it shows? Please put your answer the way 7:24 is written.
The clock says 5:19
